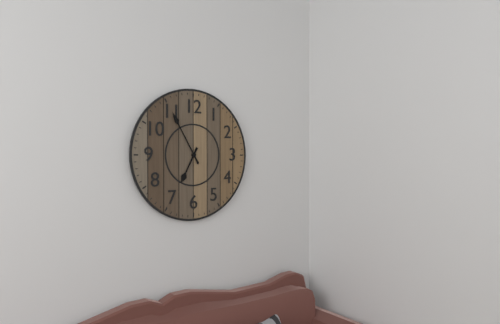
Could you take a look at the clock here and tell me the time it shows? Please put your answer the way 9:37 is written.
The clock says 6:55
